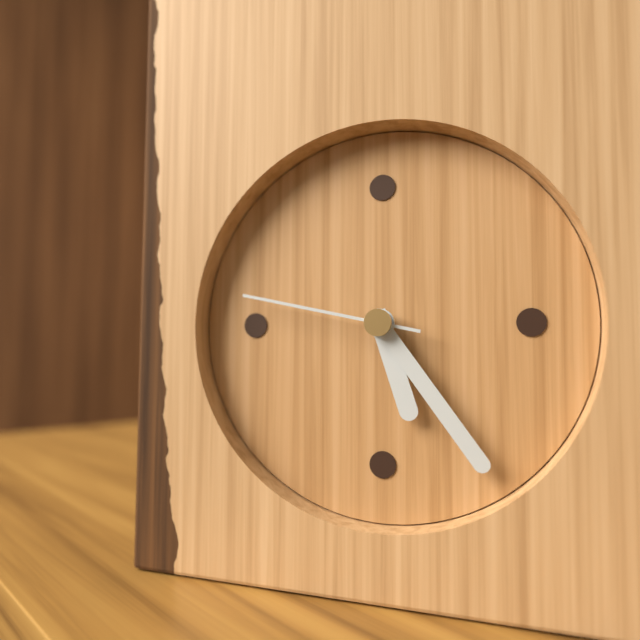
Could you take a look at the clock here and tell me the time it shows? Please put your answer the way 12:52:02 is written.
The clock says 5:24:47
